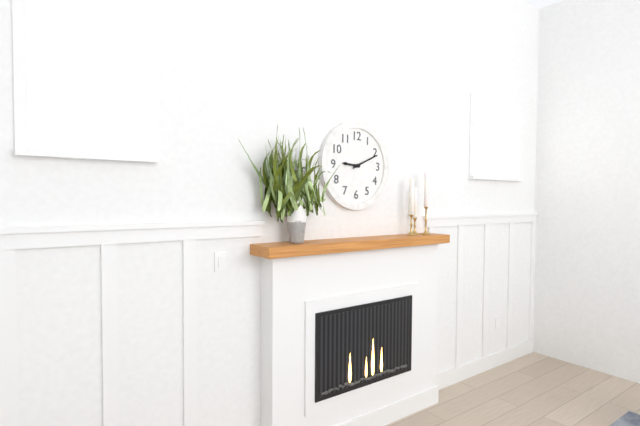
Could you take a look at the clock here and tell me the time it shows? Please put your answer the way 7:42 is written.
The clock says 9:11
